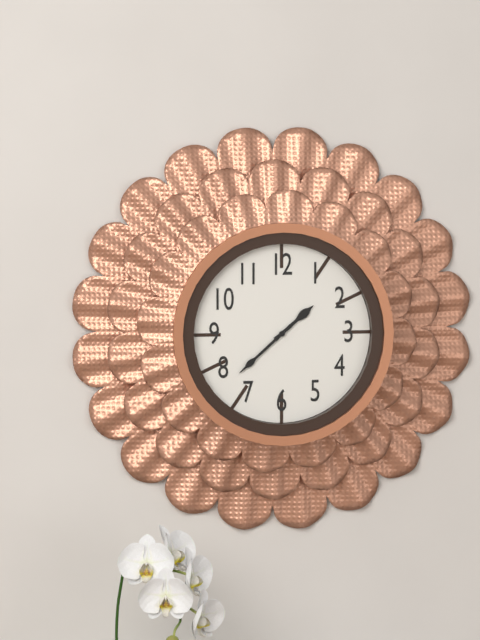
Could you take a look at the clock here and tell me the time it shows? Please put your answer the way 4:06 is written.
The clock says 1:38
